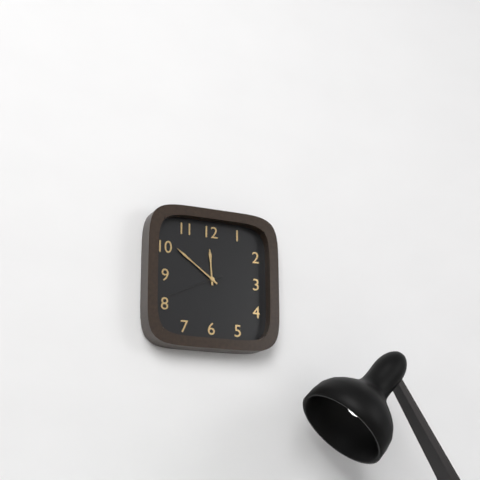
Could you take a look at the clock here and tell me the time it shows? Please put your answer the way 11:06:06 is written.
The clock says 11:51:41
